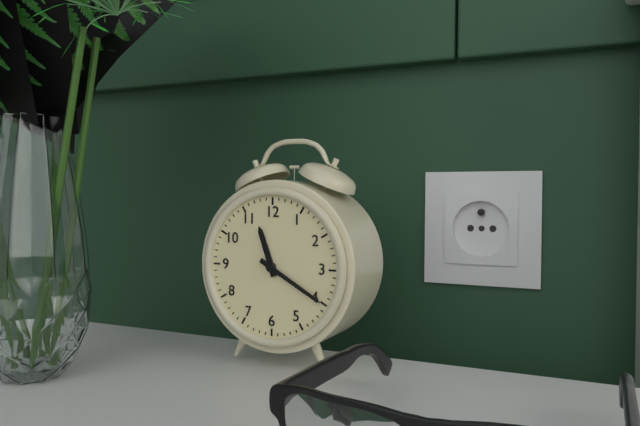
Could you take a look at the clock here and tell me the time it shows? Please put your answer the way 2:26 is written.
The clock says 11:20
